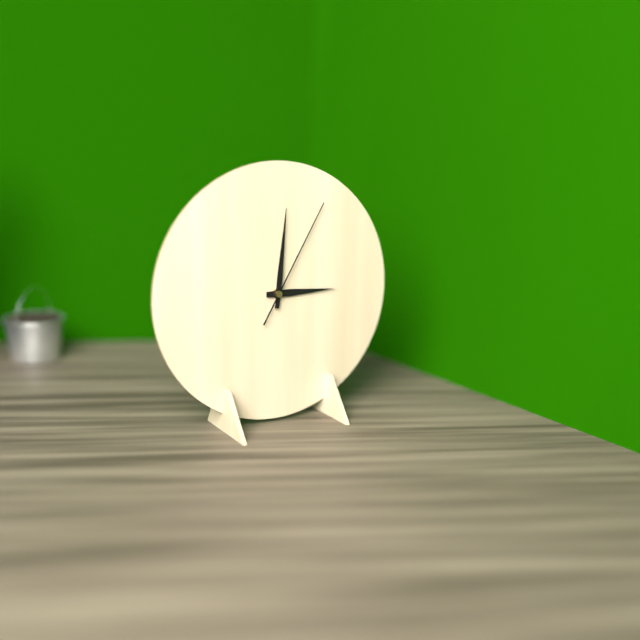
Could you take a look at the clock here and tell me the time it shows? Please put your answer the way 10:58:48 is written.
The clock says 3:01:05
